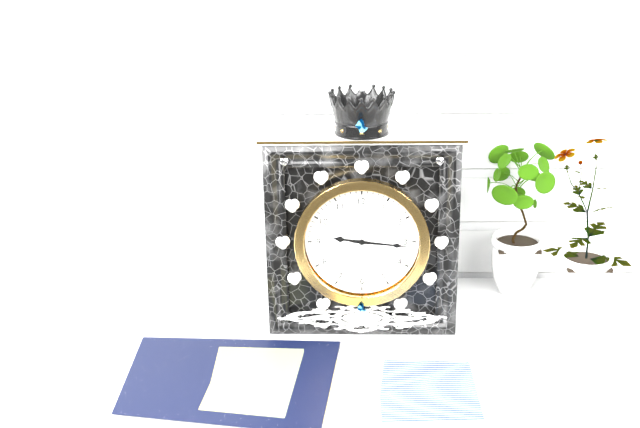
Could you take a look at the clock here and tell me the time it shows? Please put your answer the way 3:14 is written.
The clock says 9:16
